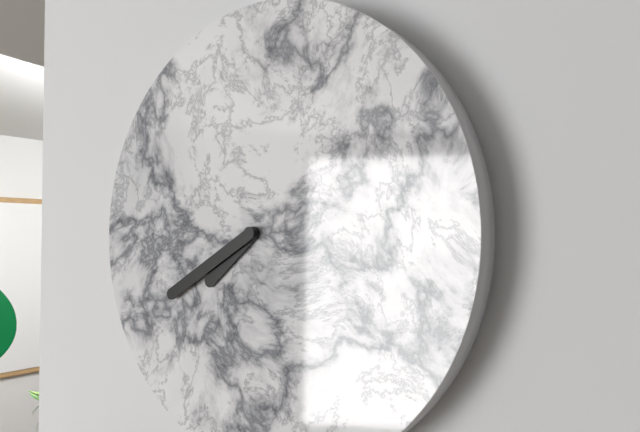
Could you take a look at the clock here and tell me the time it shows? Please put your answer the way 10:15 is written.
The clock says 7:40
